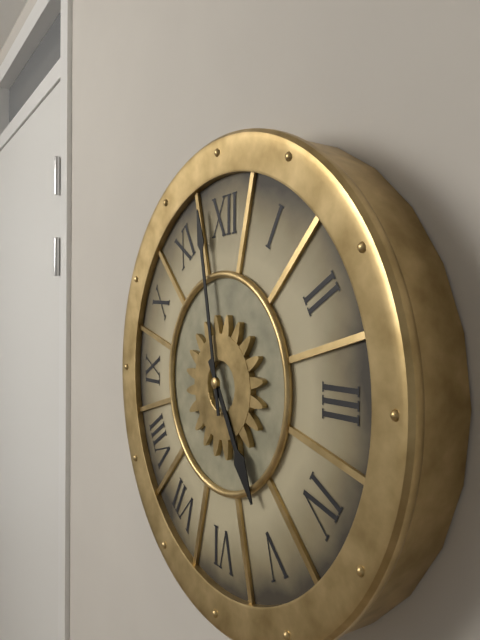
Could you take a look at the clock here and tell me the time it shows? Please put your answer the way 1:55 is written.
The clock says 4:58
